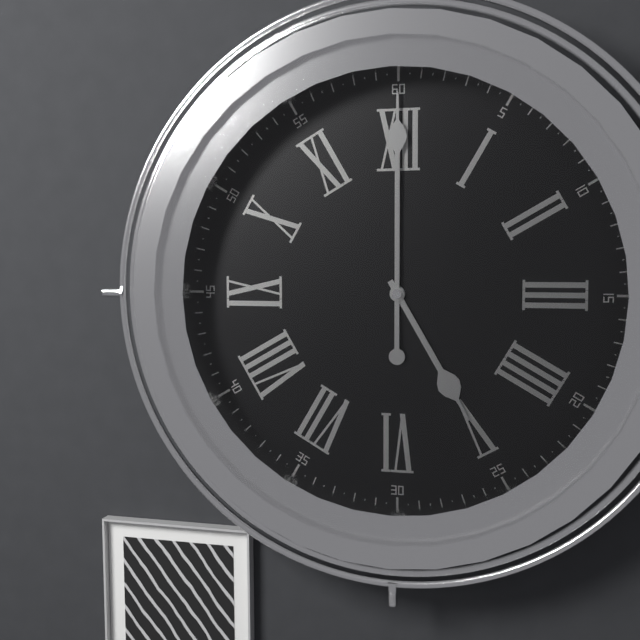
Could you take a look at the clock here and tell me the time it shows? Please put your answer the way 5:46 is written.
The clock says 5:00
